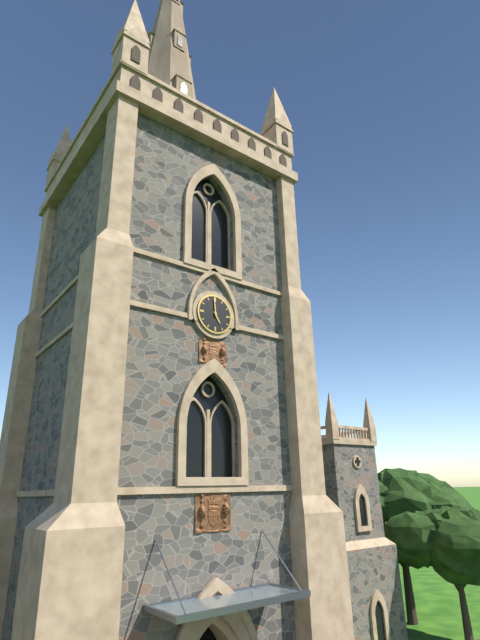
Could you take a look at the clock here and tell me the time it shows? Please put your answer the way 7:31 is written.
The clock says 4:59
